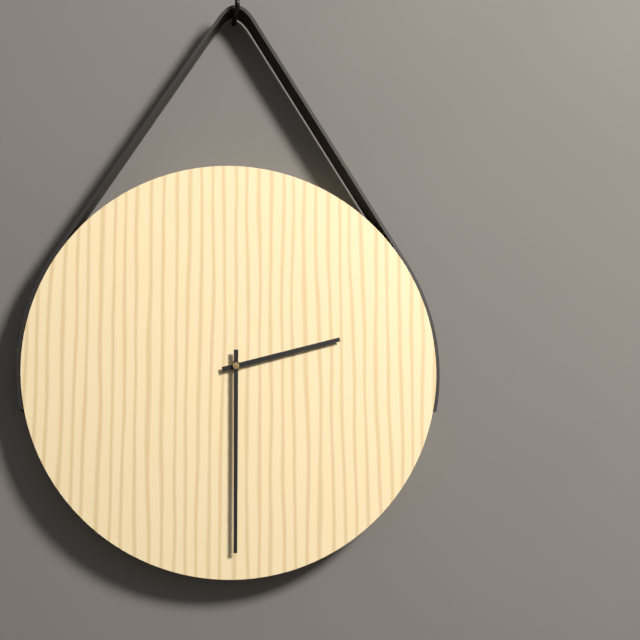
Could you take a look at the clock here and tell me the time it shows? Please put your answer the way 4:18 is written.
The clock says 2:30
